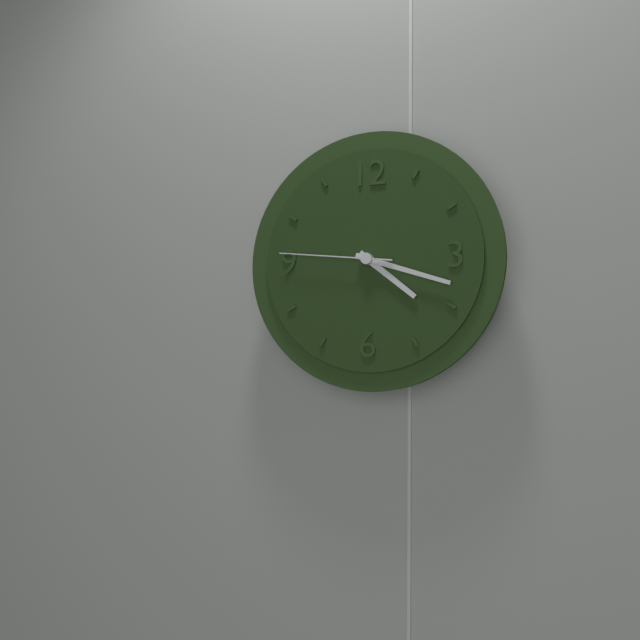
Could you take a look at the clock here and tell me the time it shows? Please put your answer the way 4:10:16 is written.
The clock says 4:18:46
